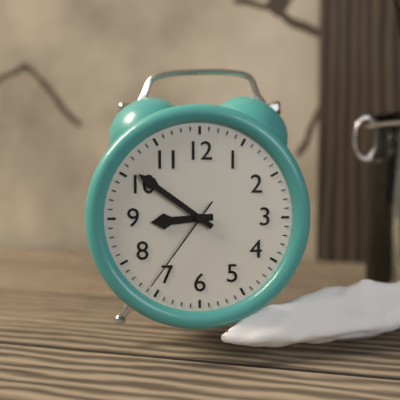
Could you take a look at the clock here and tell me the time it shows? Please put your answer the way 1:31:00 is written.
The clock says 8:51:36
